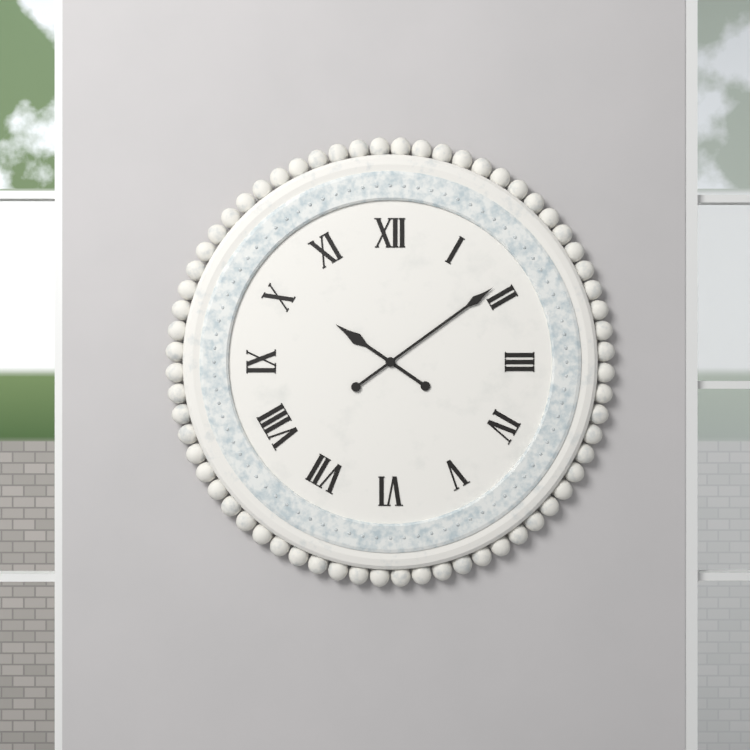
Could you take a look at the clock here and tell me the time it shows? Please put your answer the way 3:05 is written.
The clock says 10:09
